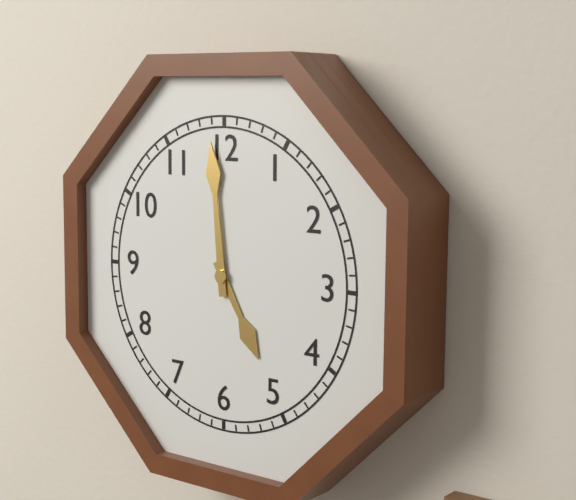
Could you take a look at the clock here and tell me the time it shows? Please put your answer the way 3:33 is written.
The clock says 4:59
